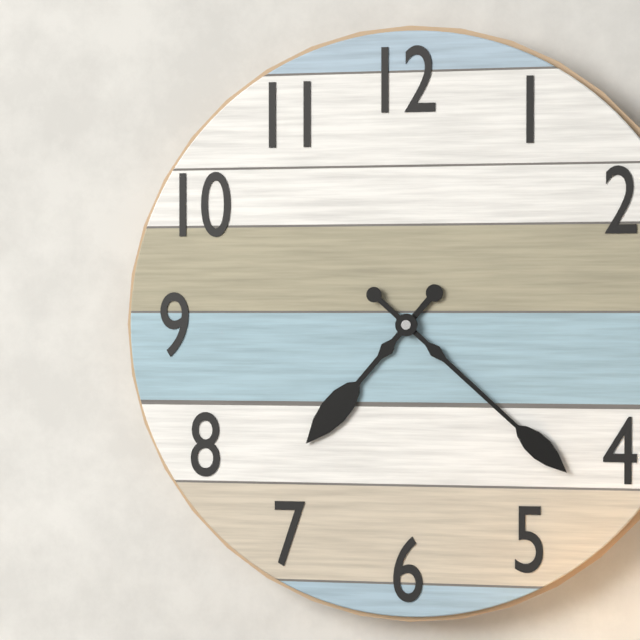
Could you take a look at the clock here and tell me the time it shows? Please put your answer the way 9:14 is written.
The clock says 7:22
